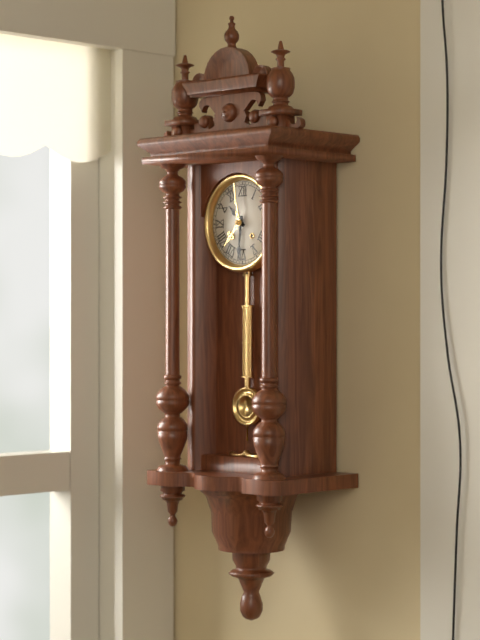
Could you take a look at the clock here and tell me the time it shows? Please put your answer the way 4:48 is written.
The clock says 10:31
